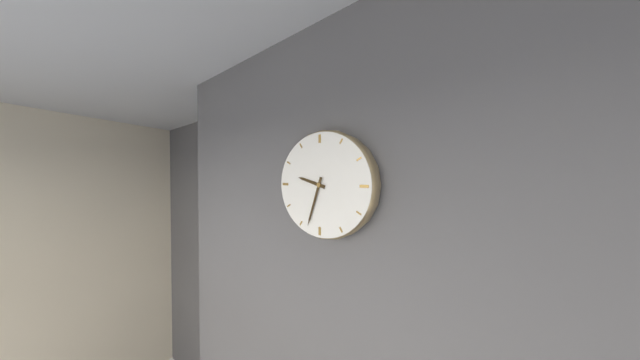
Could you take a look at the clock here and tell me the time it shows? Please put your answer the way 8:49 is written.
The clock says 9:33
